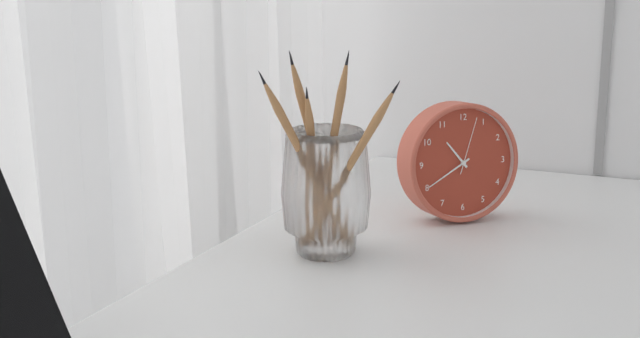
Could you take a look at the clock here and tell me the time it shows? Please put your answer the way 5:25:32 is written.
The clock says 10:40:03
